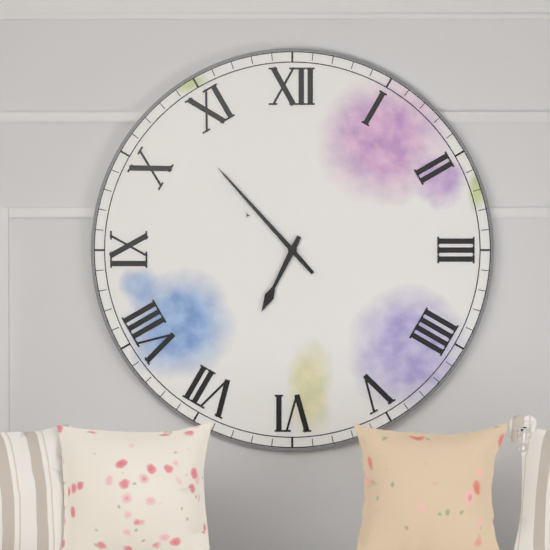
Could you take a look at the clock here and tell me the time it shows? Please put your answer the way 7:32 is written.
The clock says 6:53
